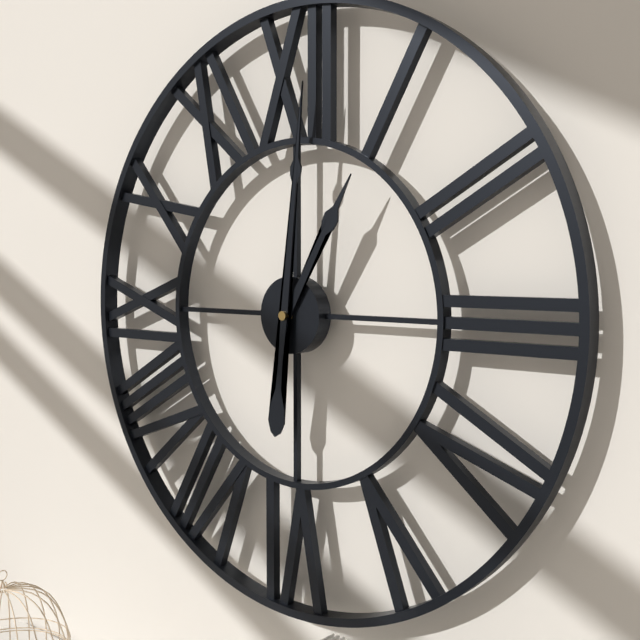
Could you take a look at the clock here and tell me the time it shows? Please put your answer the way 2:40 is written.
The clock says 1:01
